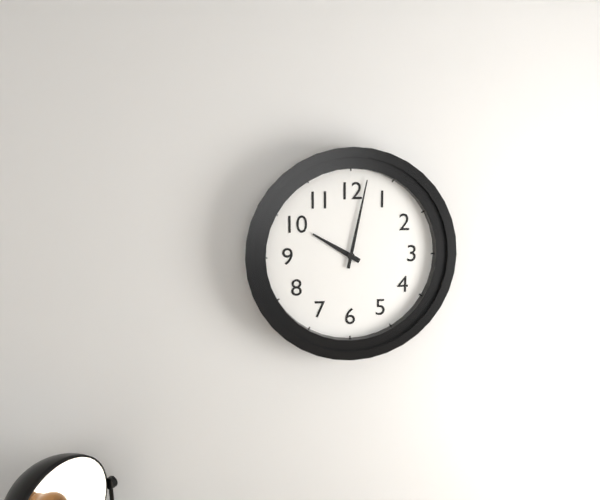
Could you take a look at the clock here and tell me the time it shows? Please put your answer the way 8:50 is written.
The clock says 10:02
